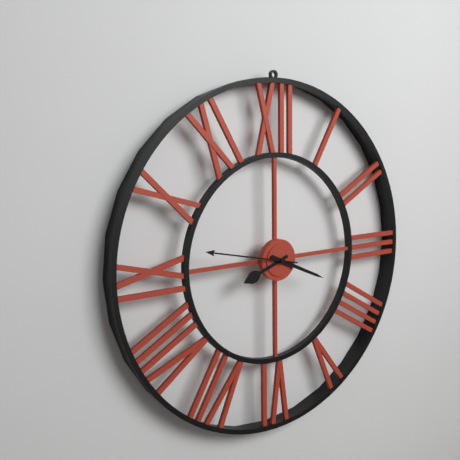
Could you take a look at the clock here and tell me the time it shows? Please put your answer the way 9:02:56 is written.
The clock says 8:19:47
